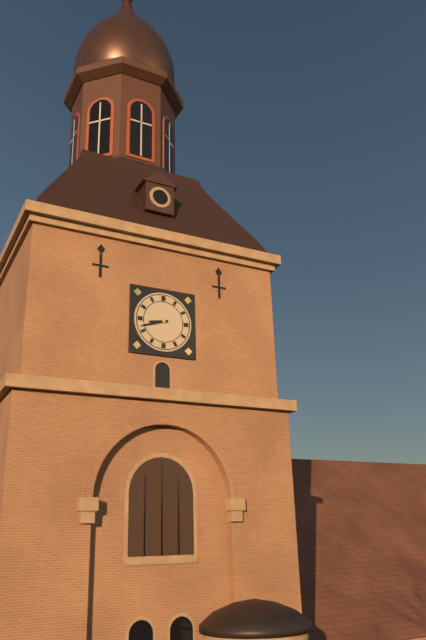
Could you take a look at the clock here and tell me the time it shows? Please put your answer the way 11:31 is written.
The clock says 8:42
